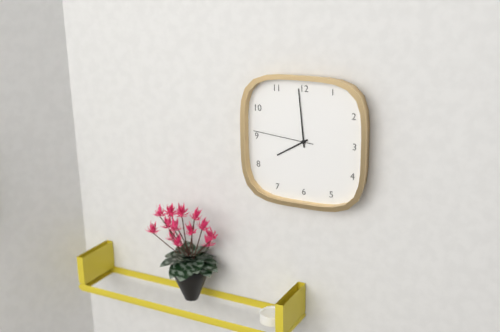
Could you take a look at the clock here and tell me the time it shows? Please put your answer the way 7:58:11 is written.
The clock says 7:59:46
